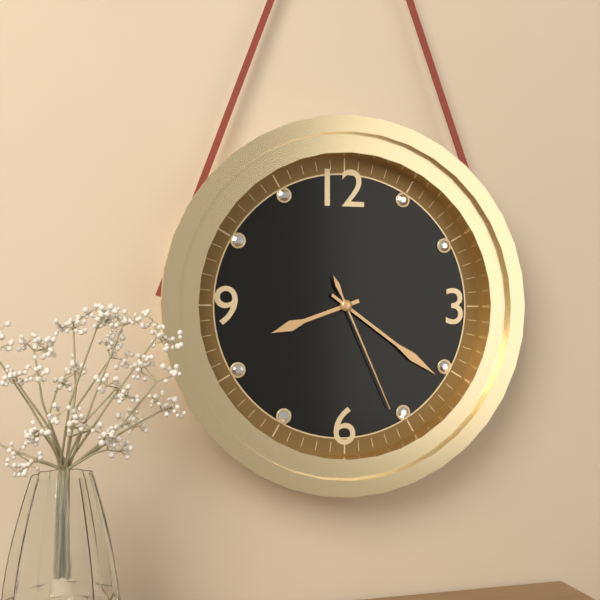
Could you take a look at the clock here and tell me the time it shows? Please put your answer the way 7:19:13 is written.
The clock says 8:21:26
